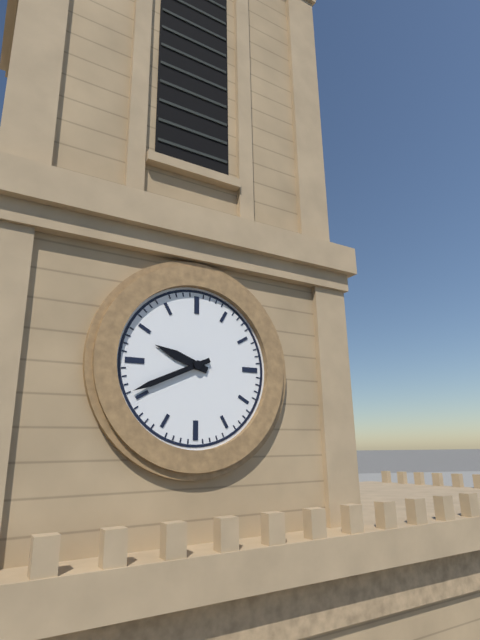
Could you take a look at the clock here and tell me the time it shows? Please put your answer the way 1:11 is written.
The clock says 9:41
